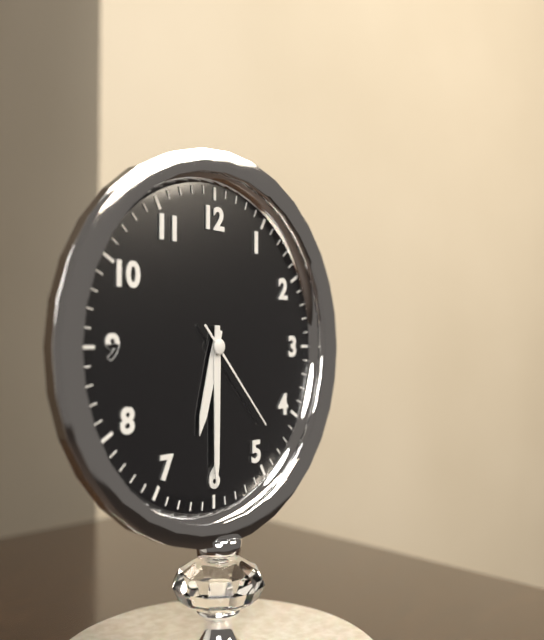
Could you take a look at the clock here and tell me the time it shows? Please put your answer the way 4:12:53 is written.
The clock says 6:30:23
